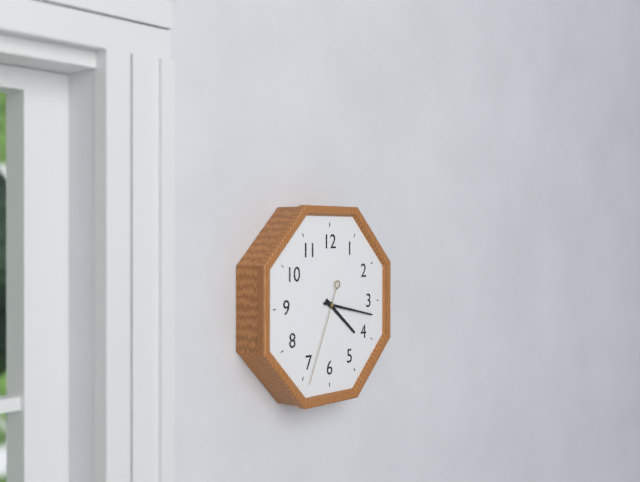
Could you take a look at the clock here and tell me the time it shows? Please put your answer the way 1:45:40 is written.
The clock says 4:17:34
